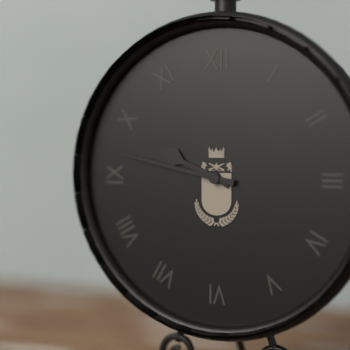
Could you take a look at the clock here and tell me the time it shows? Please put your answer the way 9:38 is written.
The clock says 9:47
